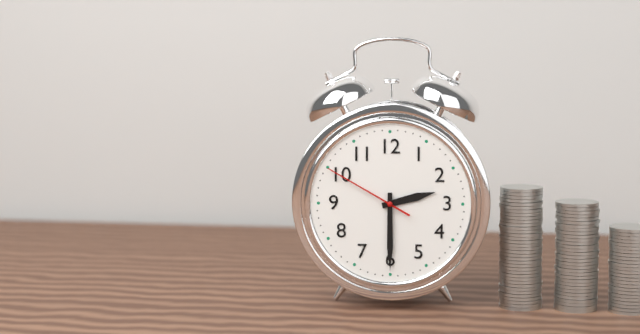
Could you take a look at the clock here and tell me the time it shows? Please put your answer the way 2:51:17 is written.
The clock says 2:30:50
